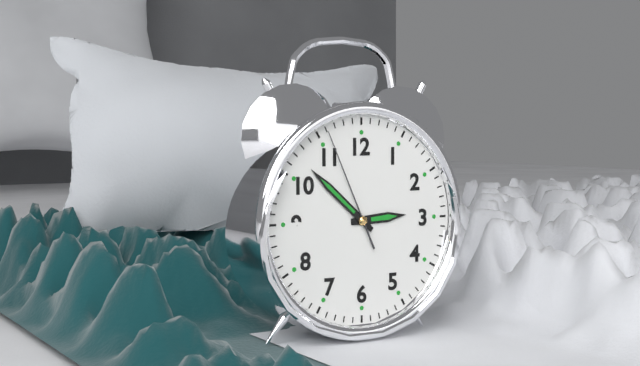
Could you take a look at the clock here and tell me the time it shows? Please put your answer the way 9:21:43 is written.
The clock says 2:52:56
